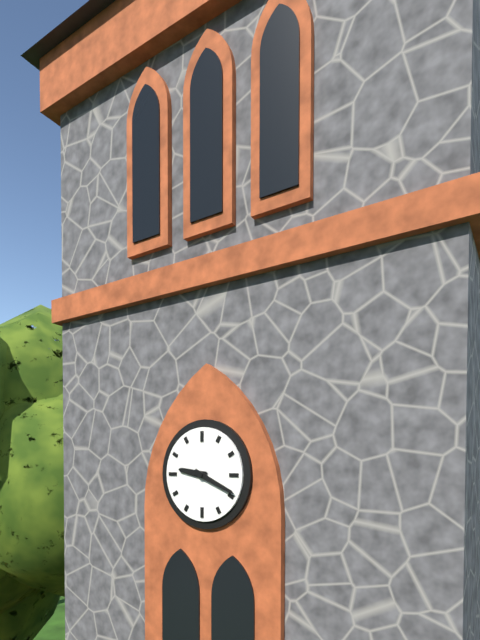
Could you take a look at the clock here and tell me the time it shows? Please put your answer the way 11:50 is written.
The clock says 9:19
